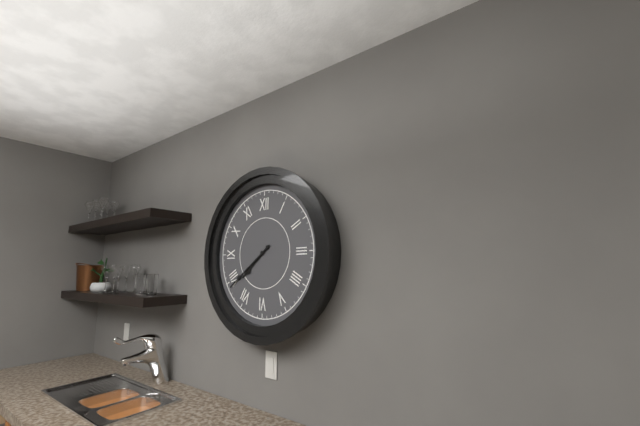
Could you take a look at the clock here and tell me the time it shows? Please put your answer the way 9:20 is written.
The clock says 7:39
